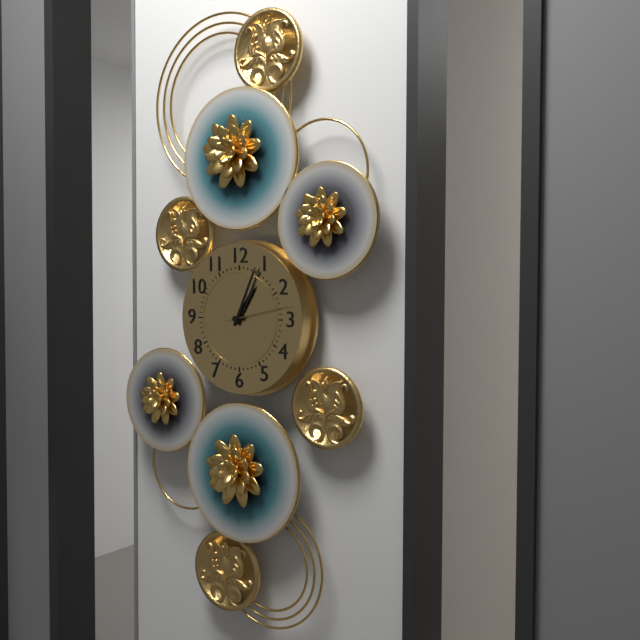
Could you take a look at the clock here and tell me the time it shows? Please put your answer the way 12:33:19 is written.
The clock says 1:04:13
